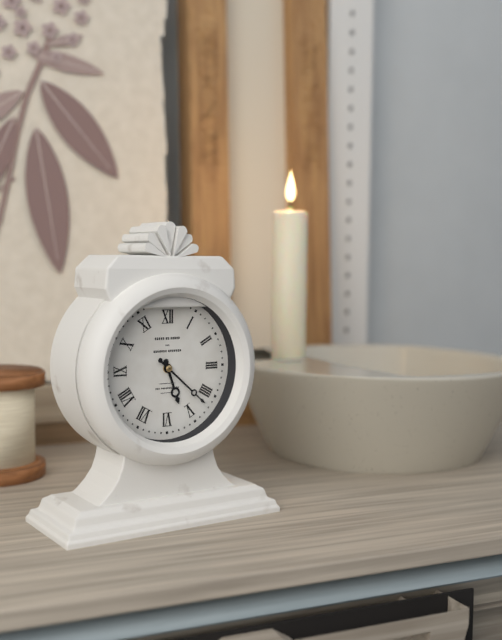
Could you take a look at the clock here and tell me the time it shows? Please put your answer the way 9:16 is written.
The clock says 5:22
